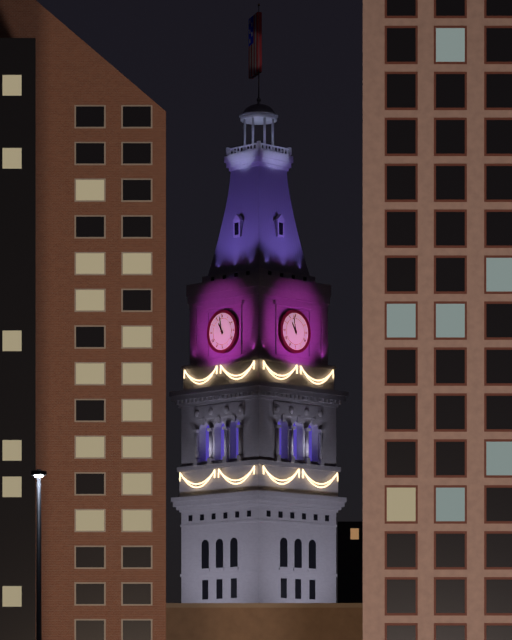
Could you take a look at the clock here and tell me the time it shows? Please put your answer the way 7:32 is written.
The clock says 10:58
